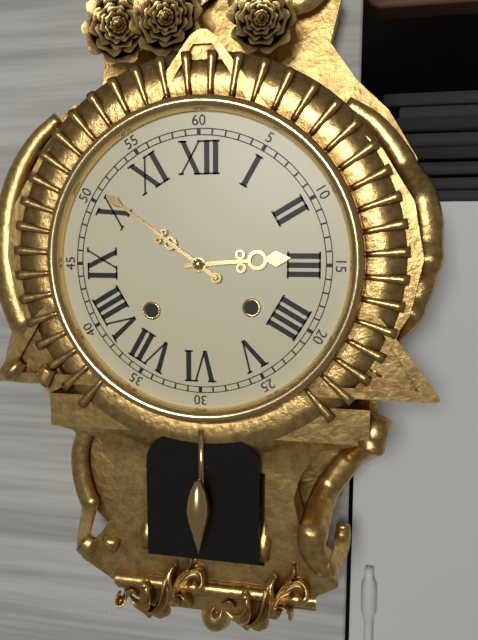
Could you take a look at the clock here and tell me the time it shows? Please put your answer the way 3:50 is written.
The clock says 2:51
